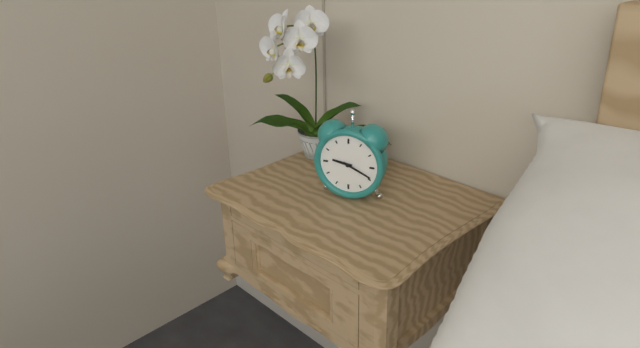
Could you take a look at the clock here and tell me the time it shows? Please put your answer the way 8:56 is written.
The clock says 9:19
